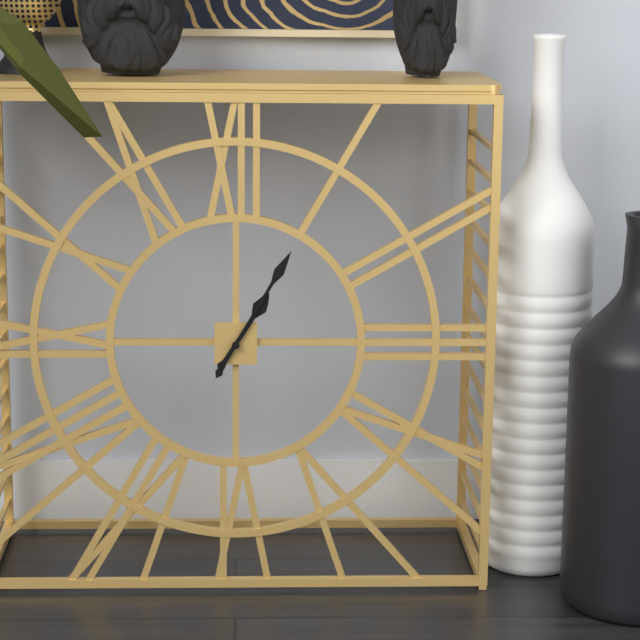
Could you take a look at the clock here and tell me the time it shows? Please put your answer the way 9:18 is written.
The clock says 1:05
